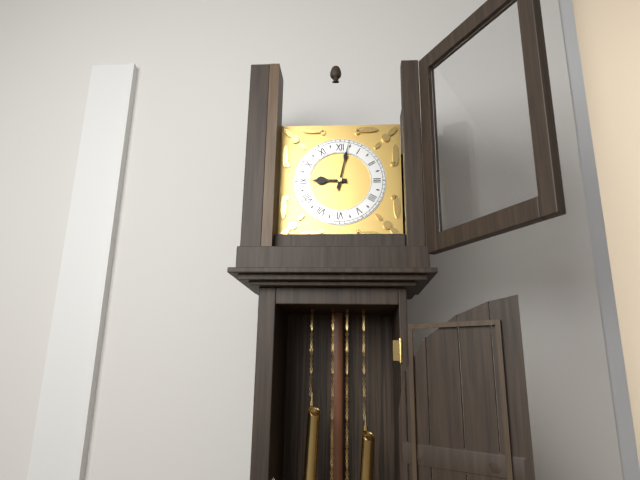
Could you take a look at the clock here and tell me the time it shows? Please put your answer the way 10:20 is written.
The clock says 9:02
